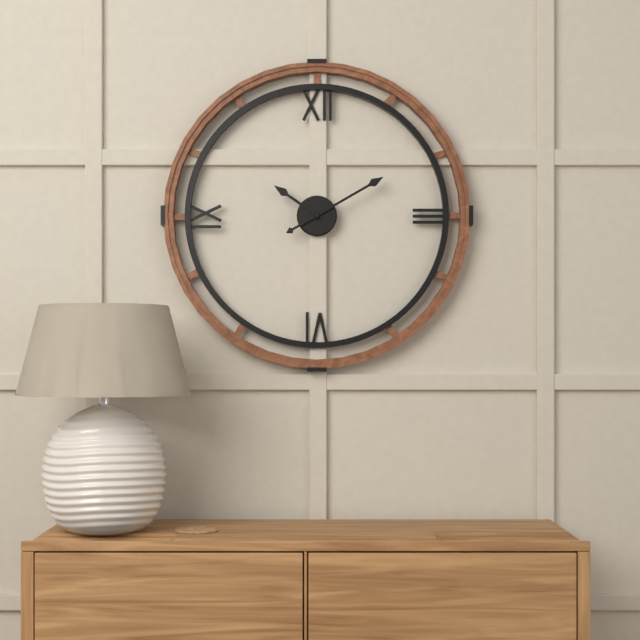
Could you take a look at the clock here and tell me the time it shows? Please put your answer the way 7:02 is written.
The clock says 10:10
